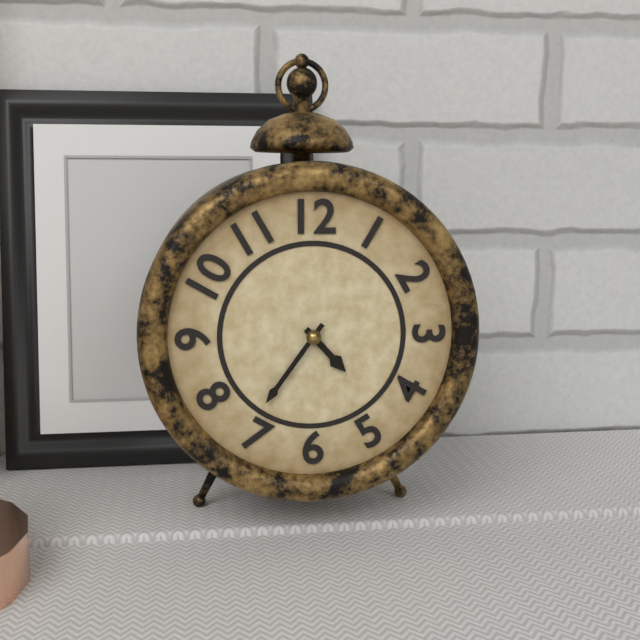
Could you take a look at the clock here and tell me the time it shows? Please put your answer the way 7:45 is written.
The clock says 4:36
